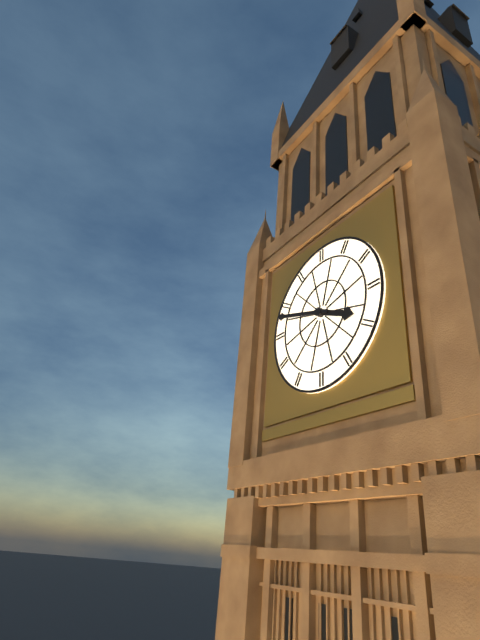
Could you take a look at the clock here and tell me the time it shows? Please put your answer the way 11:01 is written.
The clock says 3:48
